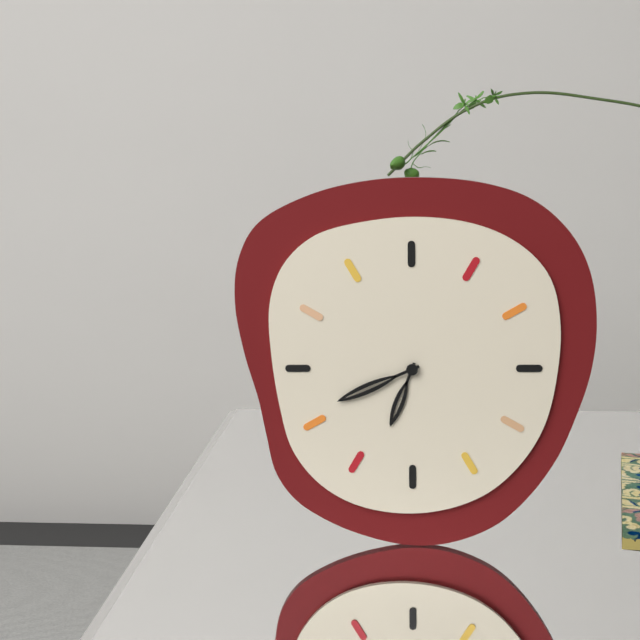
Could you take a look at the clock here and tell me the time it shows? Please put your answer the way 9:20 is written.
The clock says 6:41
